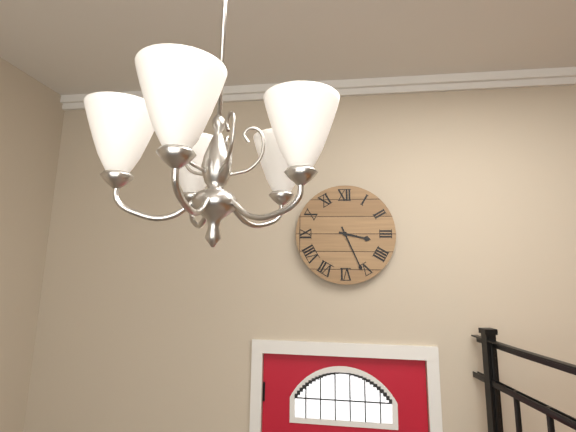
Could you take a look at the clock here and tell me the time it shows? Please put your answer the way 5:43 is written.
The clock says 3:26
